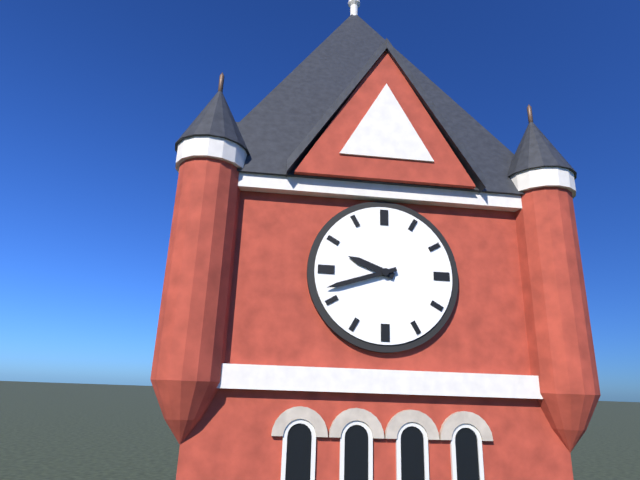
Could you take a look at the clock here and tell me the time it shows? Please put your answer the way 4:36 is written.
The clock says 9:42
